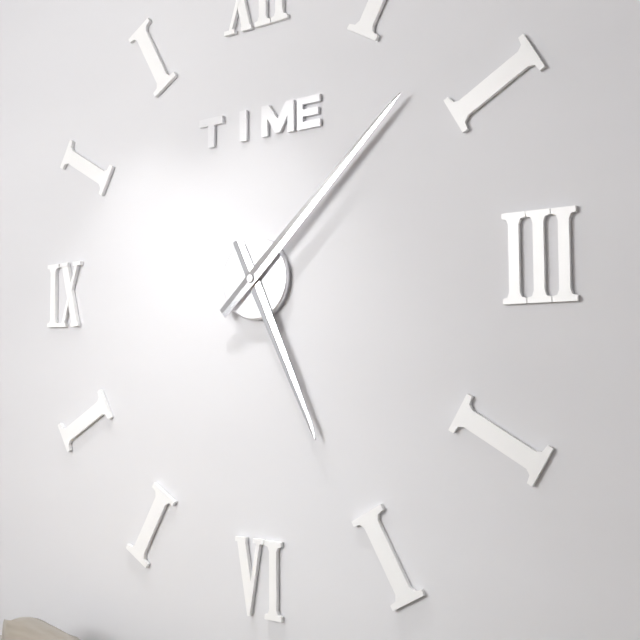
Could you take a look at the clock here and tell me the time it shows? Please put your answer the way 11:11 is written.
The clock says 5:08
